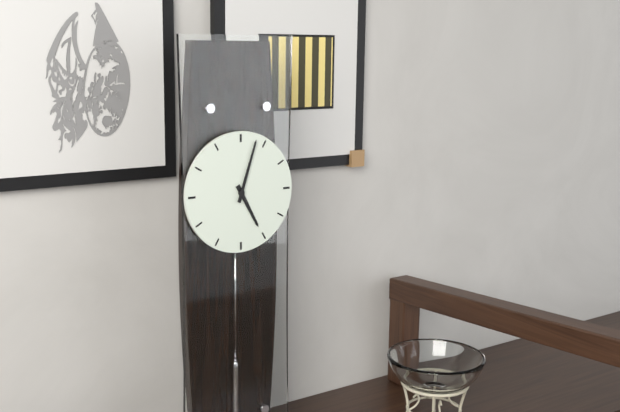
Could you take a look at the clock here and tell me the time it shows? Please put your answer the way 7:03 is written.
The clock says 5:03
